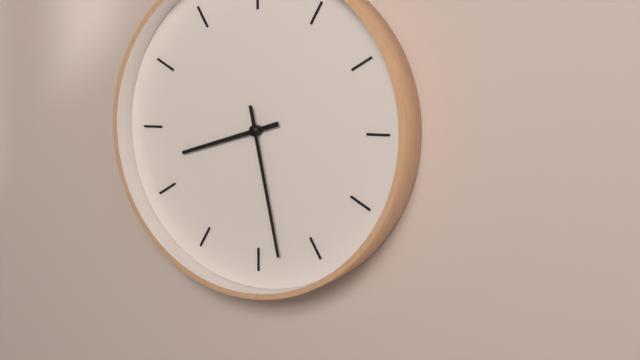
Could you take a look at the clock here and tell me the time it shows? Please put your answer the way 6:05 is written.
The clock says 8:28
